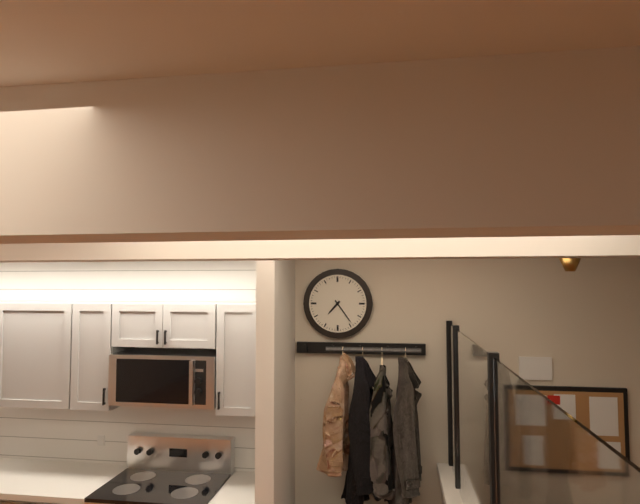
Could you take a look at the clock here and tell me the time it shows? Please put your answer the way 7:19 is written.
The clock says 7:24
